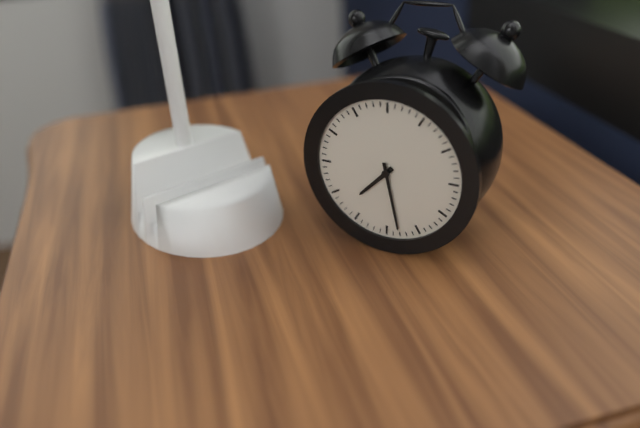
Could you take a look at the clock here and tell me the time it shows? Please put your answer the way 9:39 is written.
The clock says 7:28
